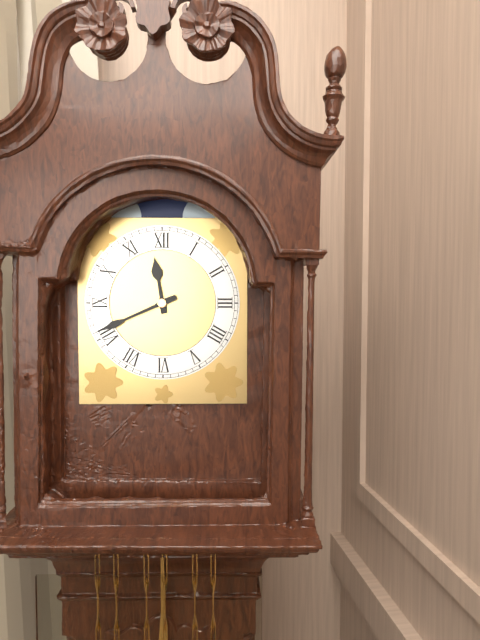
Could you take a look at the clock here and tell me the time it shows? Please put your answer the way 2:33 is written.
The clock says 11:41
